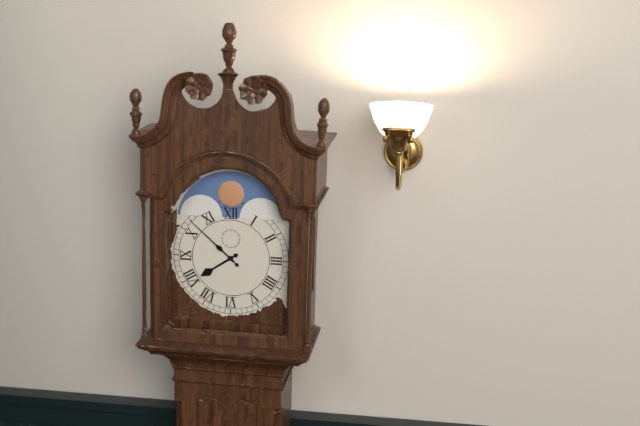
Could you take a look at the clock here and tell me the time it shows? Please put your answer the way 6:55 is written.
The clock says 7:52
